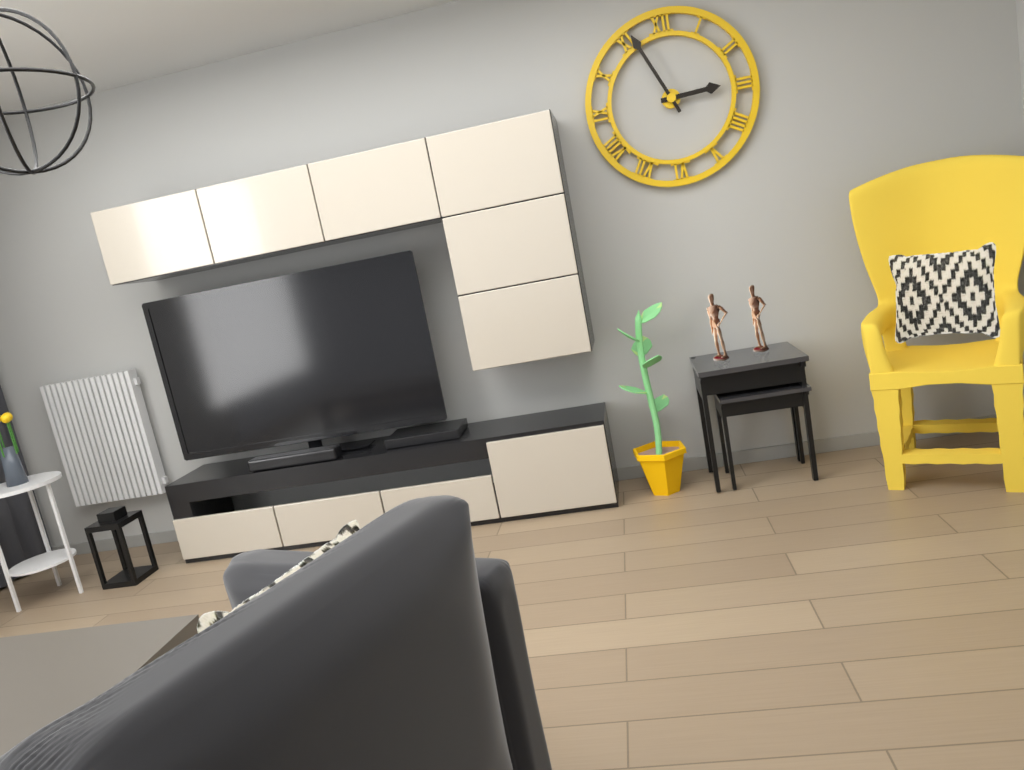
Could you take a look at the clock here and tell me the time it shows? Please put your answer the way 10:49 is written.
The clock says 2:56
